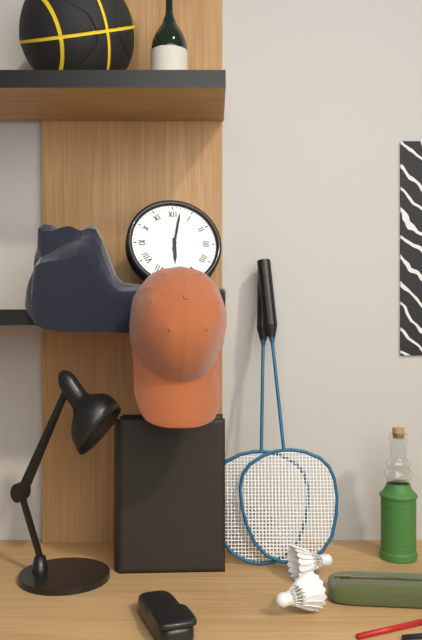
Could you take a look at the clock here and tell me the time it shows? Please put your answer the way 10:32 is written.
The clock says 6:02
